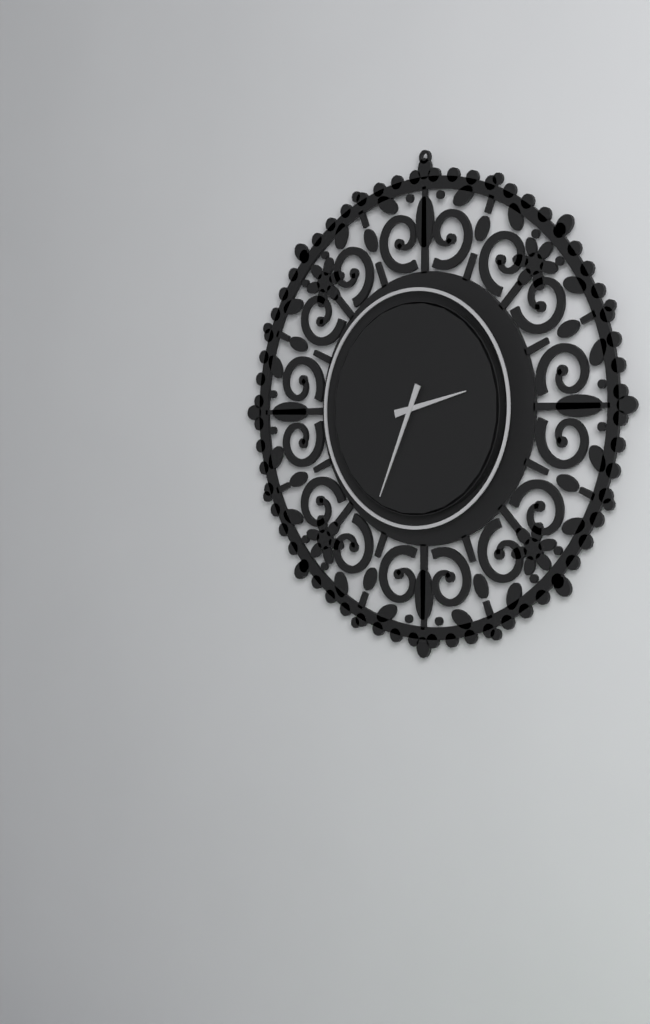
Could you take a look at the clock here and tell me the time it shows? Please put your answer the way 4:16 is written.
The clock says 2:34
